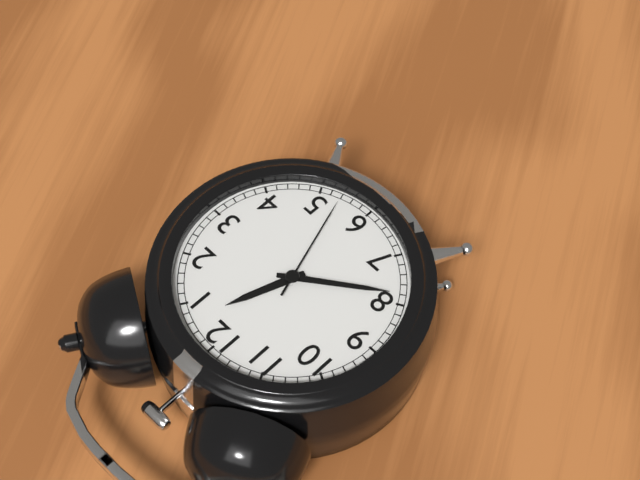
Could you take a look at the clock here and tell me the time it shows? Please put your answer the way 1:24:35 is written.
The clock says 12:39:27
